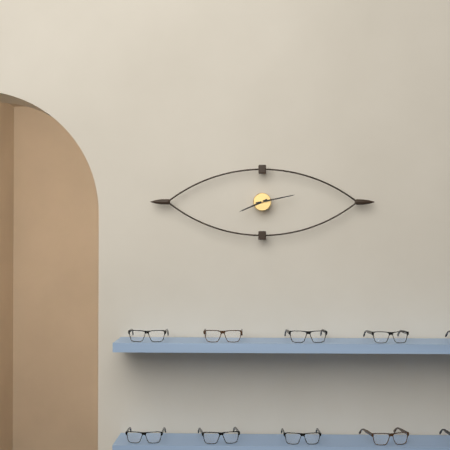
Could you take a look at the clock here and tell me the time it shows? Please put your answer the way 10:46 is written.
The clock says 8:13
